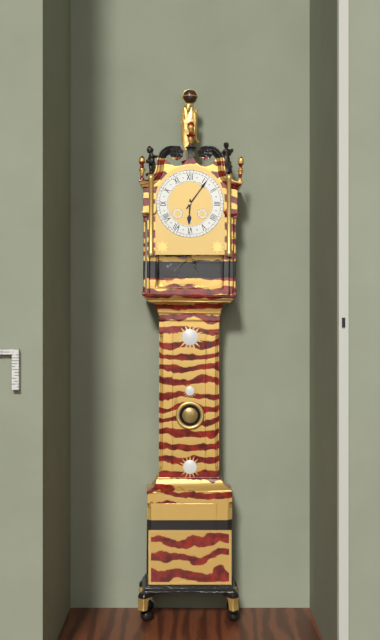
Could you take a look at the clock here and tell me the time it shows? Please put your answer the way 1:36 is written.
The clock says 6:06
